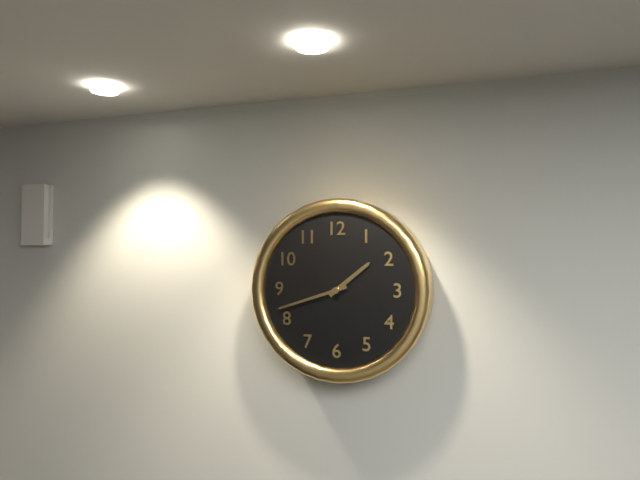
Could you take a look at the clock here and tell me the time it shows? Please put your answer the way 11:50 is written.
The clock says 1:42
